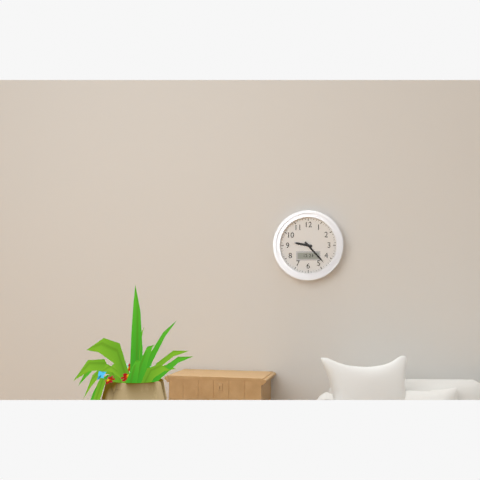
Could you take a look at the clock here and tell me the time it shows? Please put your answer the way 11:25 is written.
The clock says 9:23
